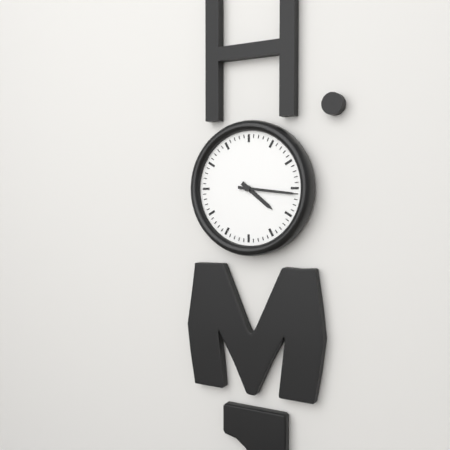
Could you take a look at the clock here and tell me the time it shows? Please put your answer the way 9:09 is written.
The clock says 4:16
